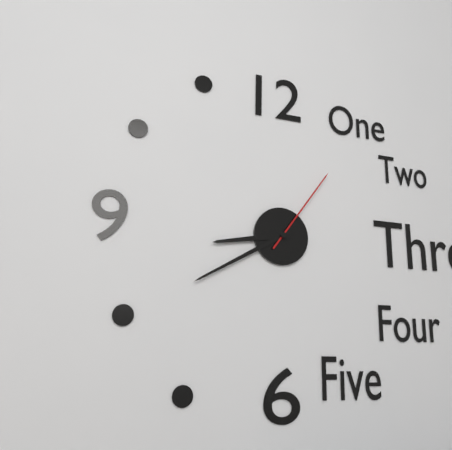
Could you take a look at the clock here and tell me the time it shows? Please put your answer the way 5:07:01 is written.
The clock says 8:40:06
